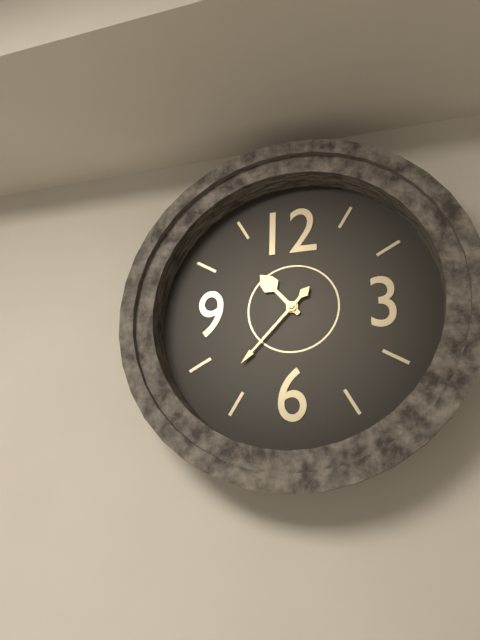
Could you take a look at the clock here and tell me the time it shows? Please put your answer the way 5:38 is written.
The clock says 10:37
